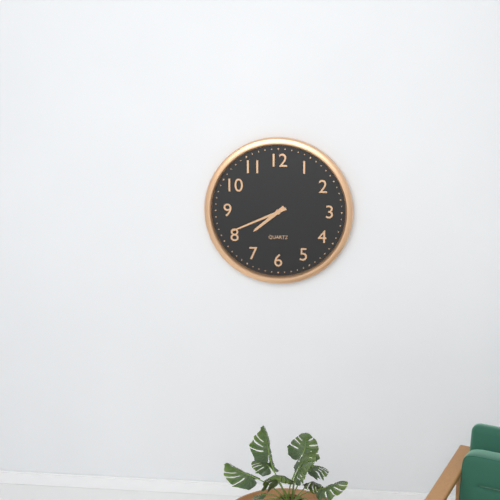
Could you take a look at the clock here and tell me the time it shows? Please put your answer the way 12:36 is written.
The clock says 7:41
